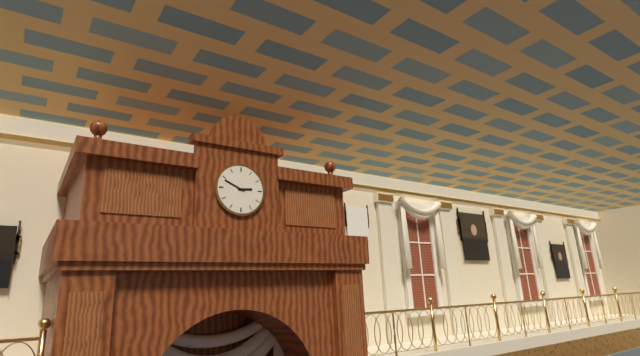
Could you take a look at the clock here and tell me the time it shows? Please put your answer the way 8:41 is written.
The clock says 2:49
